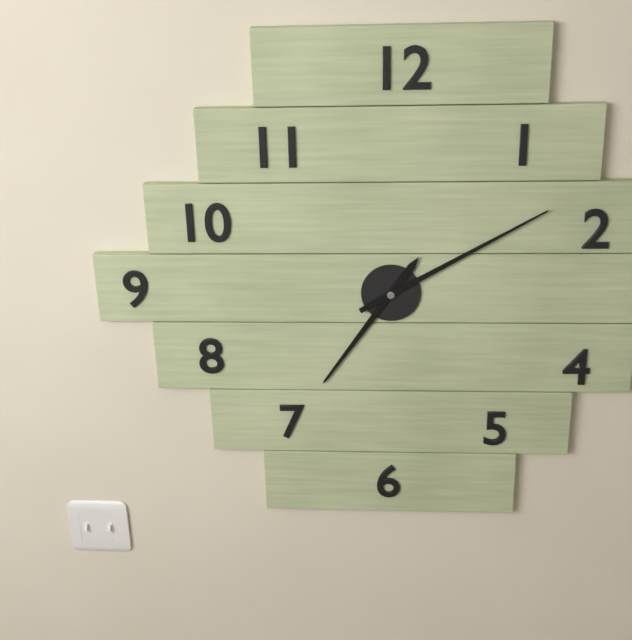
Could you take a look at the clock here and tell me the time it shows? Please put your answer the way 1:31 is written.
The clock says 7:10
